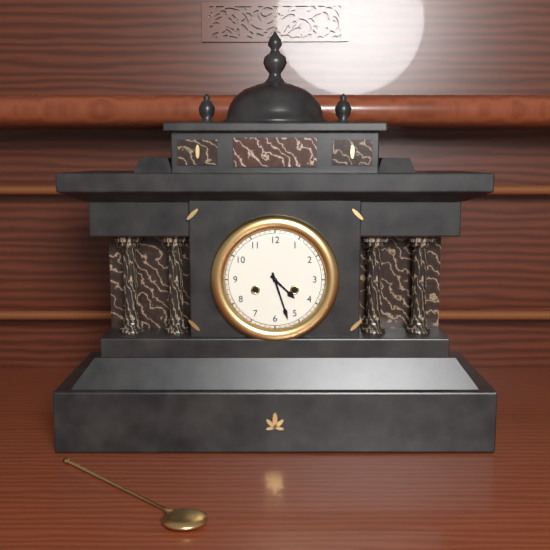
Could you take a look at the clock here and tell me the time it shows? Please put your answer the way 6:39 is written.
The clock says 4:27
